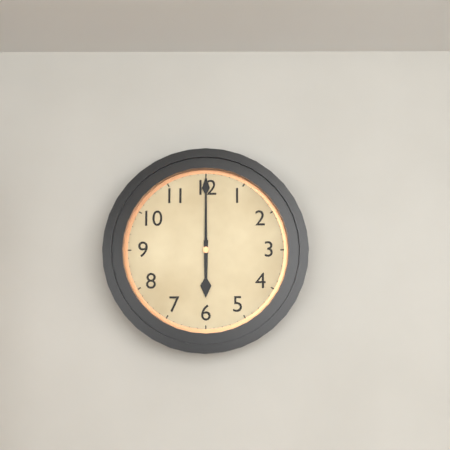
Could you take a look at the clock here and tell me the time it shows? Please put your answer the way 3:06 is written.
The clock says 6:00
